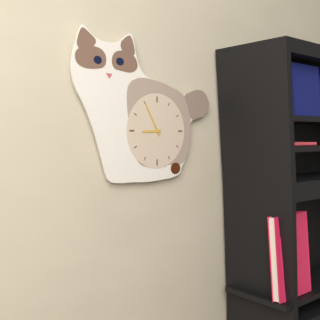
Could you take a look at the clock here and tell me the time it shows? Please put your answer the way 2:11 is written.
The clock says 8:55
